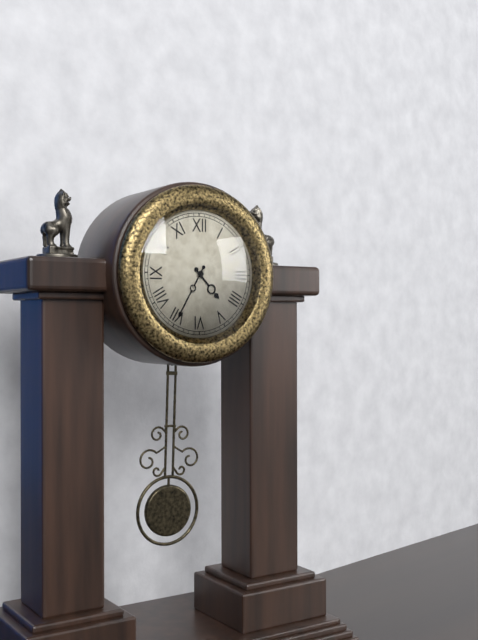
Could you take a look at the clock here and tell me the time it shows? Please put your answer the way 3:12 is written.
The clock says 4:35
